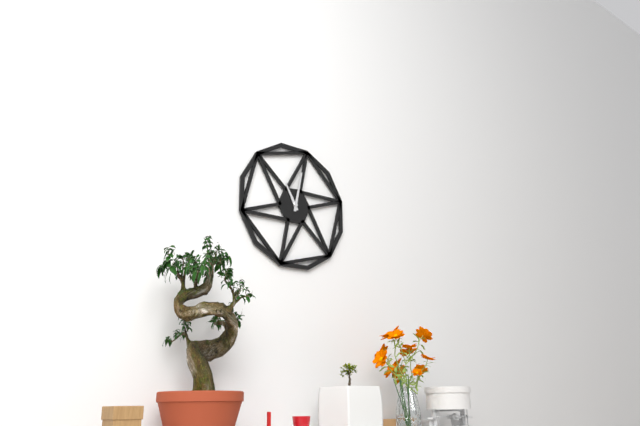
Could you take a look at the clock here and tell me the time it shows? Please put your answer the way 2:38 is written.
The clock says 11:02
